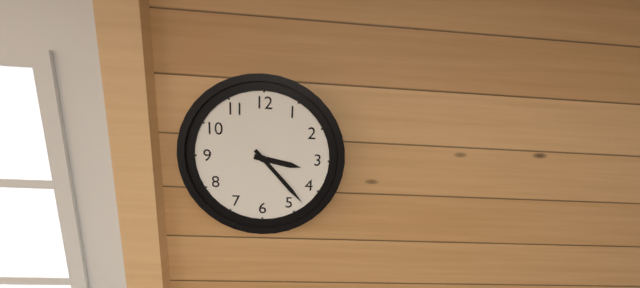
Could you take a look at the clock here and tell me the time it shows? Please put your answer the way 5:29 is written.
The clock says 3:23
